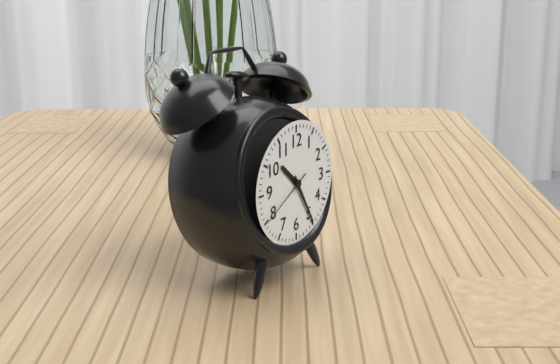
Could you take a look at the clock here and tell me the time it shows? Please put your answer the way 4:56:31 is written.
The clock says 10:25:40
